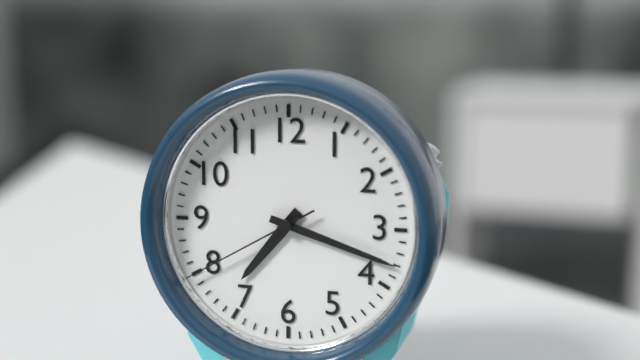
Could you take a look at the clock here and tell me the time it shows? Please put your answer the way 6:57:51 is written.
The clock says 7:18:40
